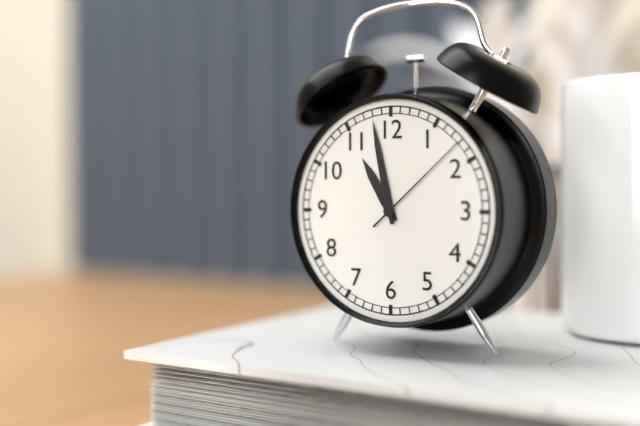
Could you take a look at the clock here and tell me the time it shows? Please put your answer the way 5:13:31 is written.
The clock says 10:58:08
